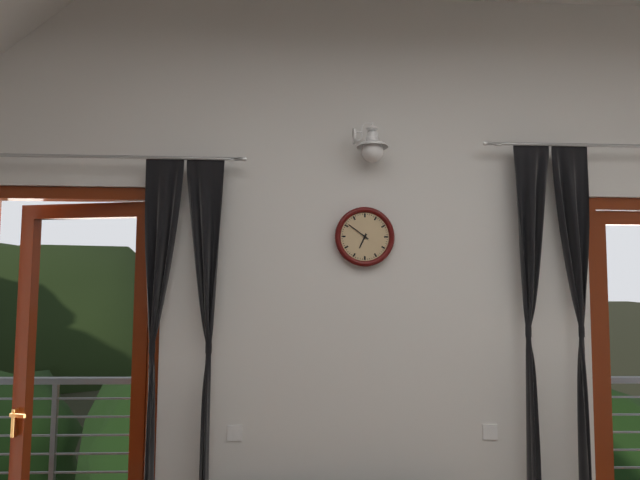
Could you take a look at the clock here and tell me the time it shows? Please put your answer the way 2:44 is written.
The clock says 6:51
